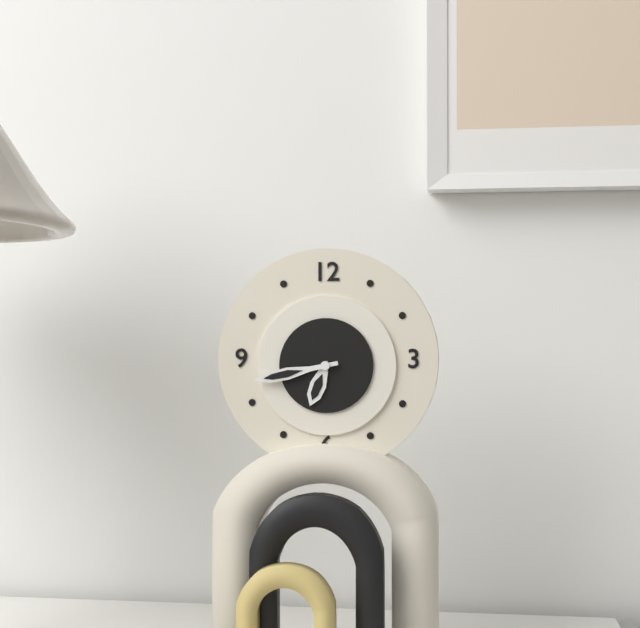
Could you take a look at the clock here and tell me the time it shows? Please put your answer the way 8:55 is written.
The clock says 6:43
